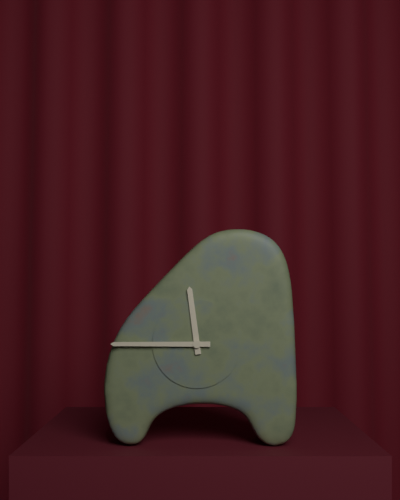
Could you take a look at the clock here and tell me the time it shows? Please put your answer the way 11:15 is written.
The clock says 11:45
